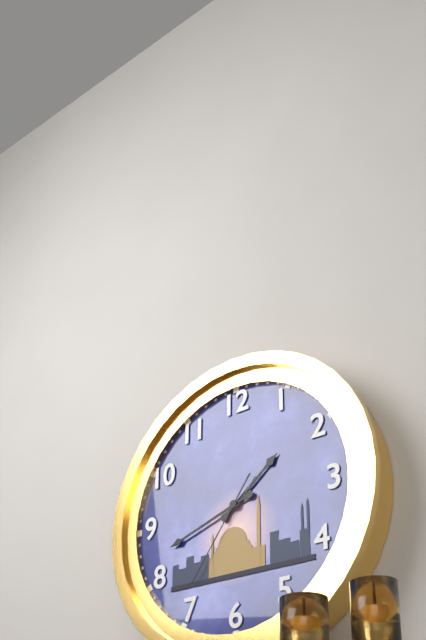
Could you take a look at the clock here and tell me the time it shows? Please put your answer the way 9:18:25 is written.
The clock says 1:42:36
